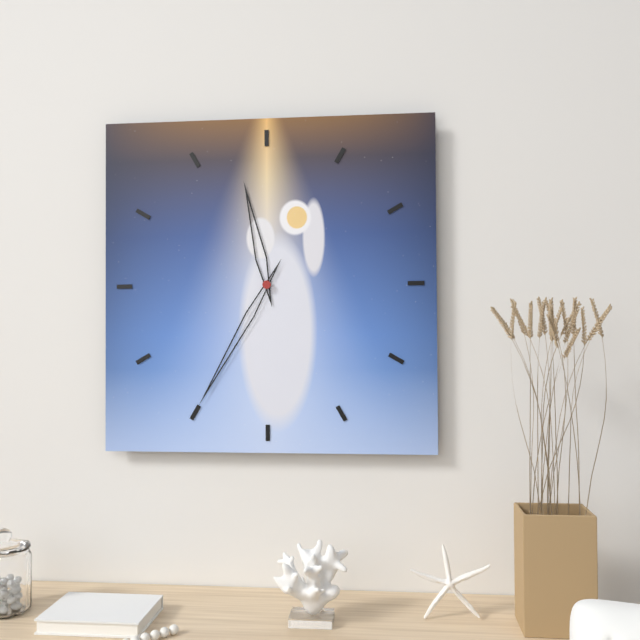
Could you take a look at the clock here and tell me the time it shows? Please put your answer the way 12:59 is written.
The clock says 11:35
